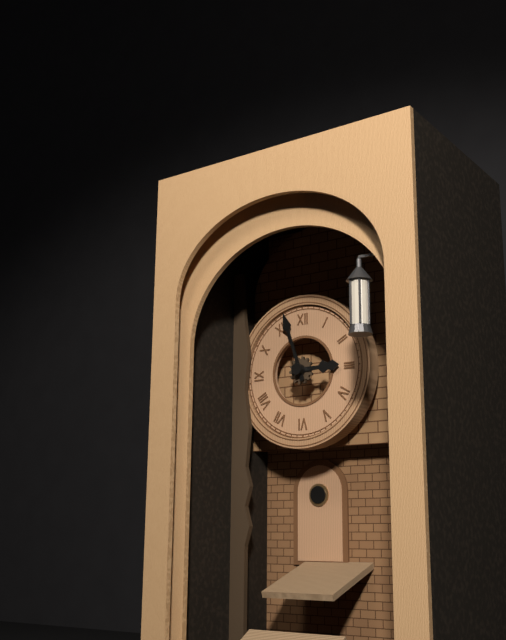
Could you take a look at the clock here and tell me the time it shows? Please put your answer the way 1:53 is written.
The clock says 2:57
